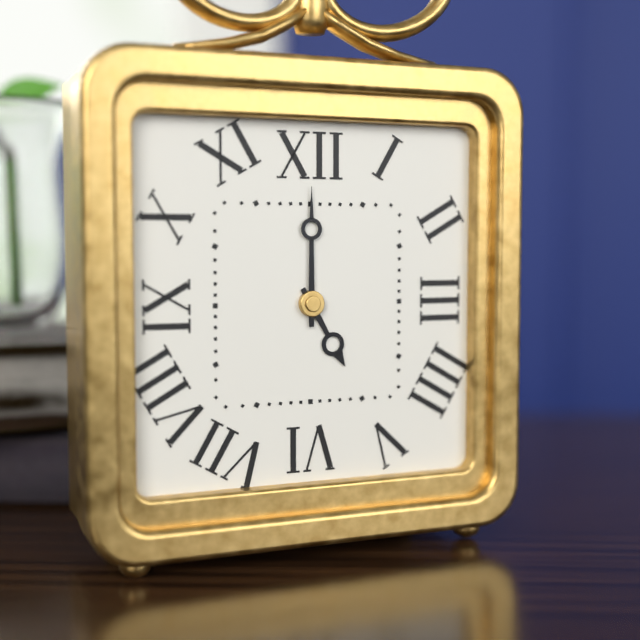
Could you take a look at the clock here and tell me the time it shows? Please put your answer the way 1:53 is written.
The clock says 5:00
